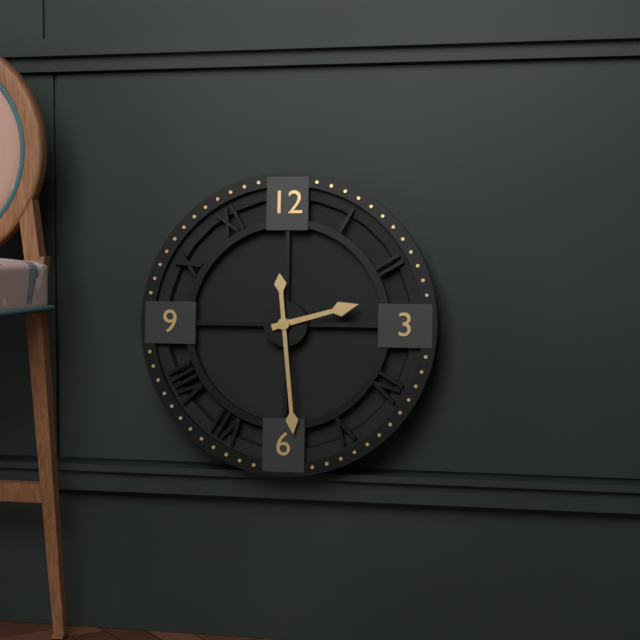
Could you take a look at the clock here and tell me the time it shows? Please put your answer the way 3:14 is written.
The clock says 2:29
